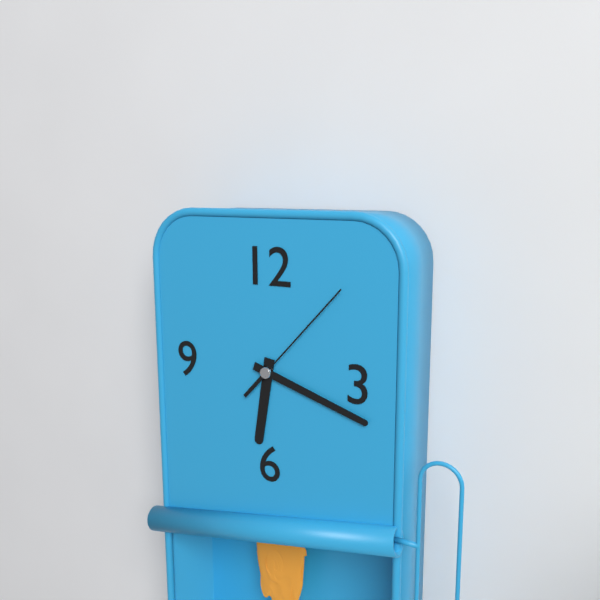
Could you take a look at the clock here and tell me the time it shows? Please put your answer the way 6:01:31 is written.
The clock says 6:18:07
